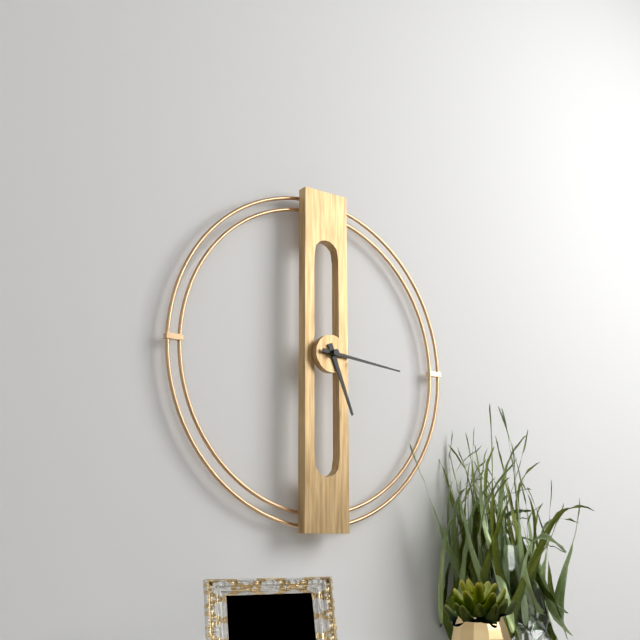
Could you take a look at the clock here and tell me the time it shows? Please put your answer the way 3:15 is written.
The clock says 5:16
